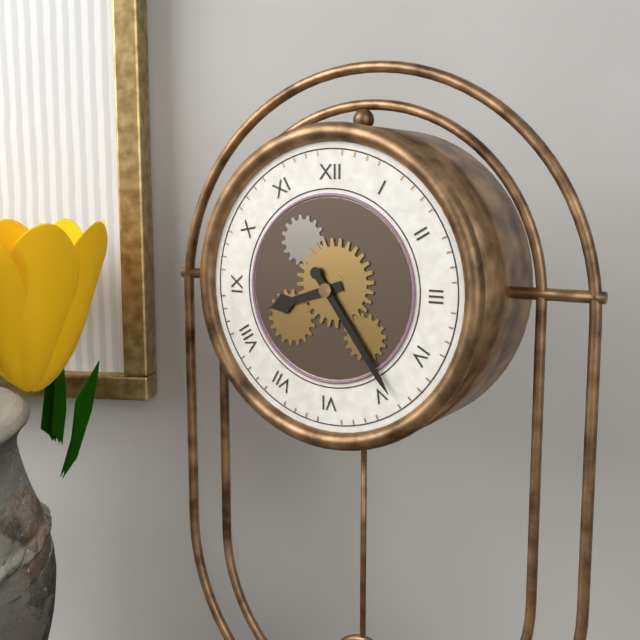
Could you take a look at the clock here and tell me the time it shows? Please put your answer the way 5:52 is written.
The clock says 8:24
